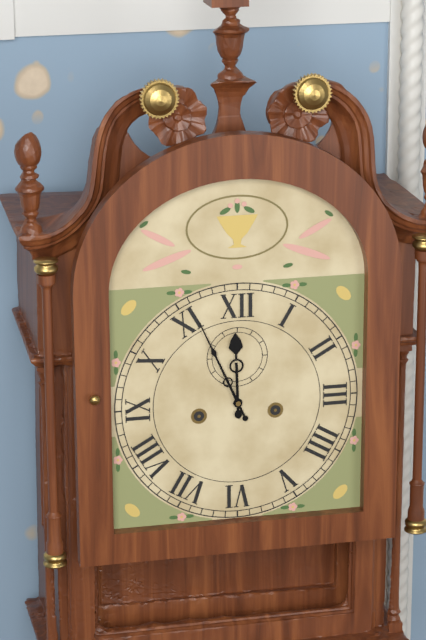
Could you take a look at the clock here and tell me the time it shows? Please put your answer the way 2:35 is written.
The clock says 11:56
